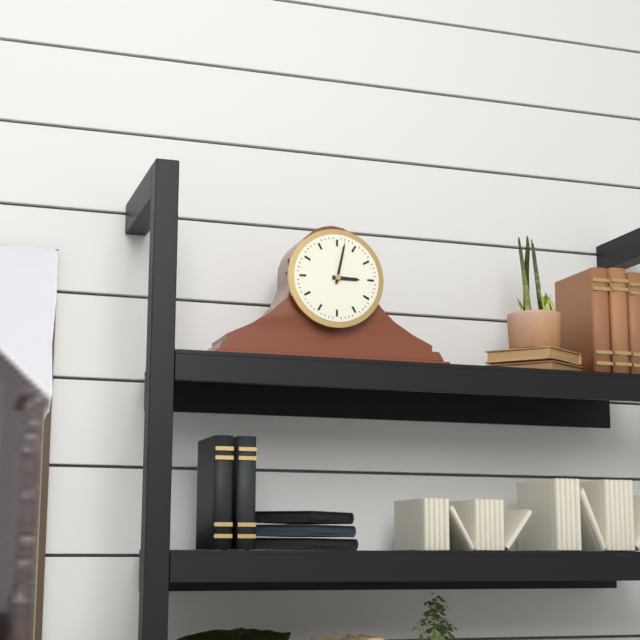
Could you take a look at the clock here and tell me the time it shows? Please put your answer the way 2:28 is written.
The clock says 3:02
